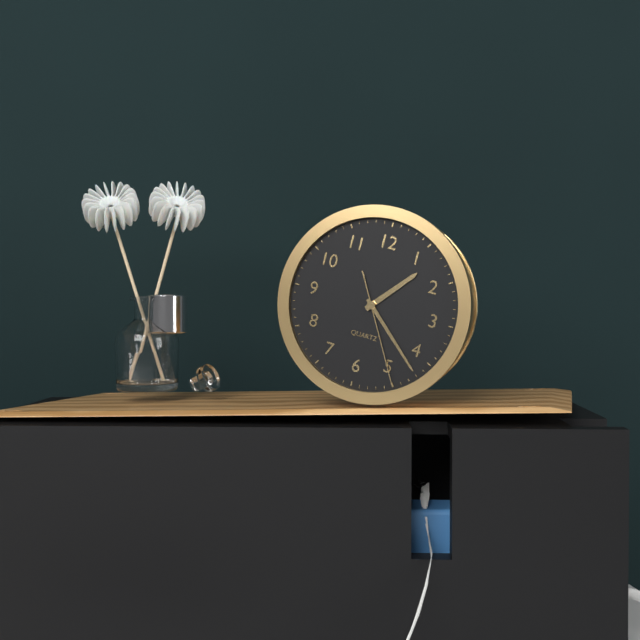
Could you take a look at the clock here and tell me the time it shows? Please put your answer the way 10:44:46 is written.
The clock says 1:22:25
